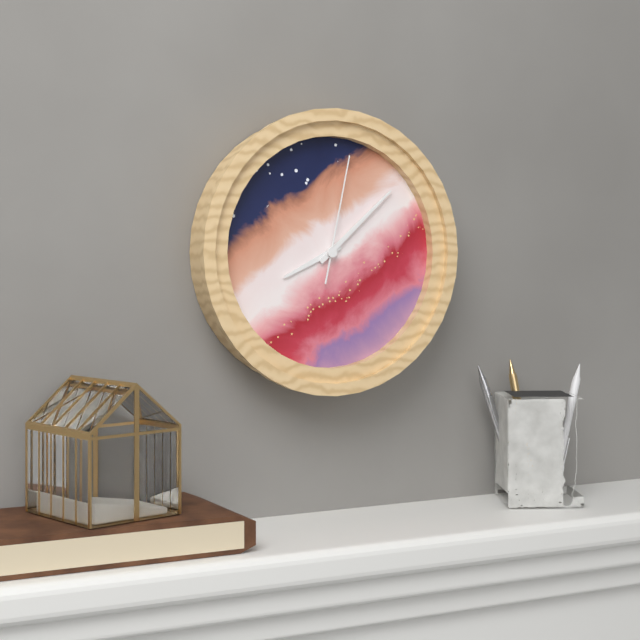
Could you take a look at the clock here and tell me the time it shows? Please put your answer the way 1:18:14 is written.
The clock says 8:08:02
